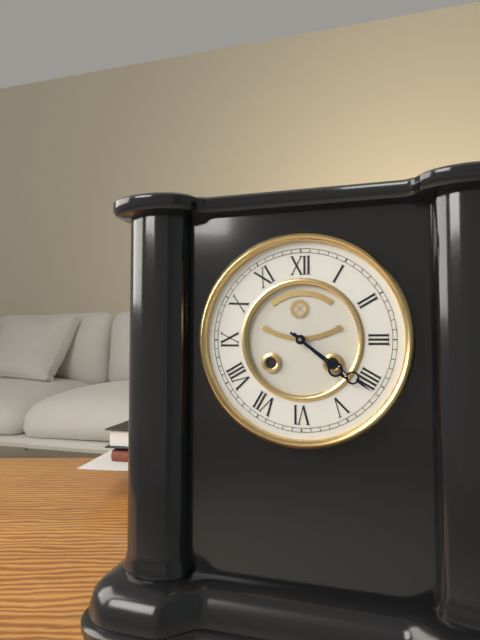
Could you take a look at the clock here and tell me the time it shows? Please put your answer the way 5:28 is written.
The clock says 4:21
